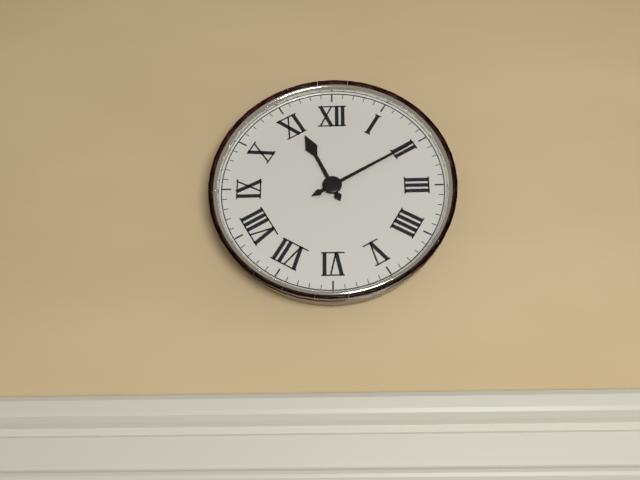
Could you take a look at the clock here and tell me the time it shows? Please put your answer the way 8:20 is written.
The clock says 11:10
